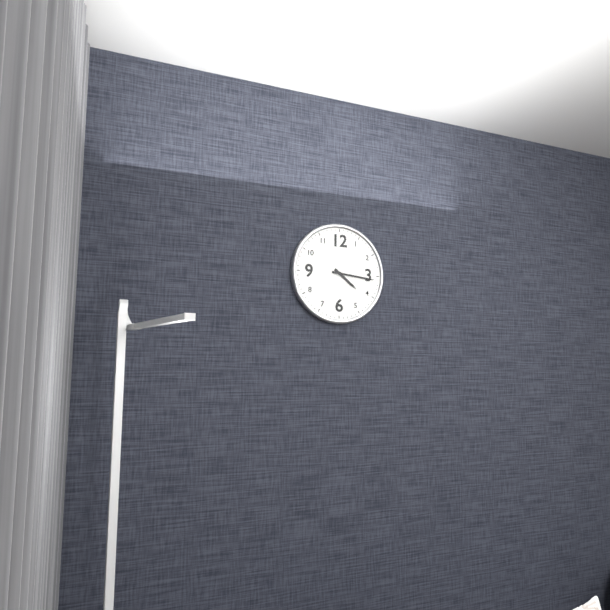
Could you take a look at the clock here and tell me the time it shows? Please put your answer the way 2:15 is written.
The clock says 4:16
